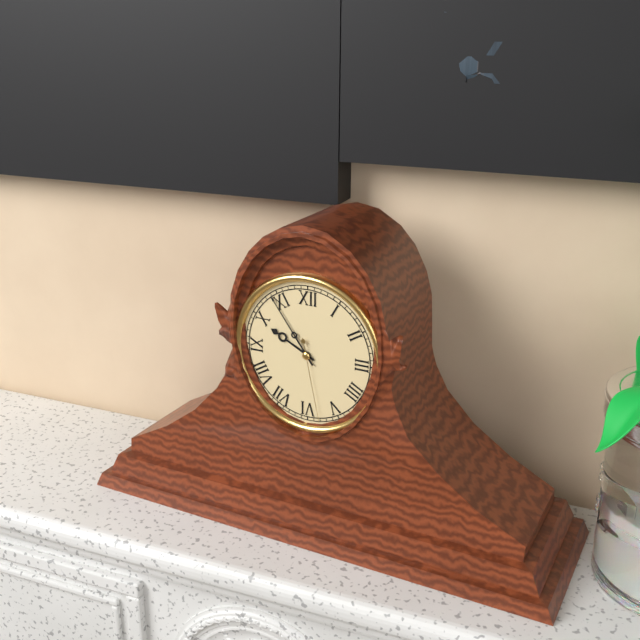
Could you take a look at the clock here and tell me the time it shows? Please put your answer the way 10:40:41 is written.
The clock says 9:54:28
